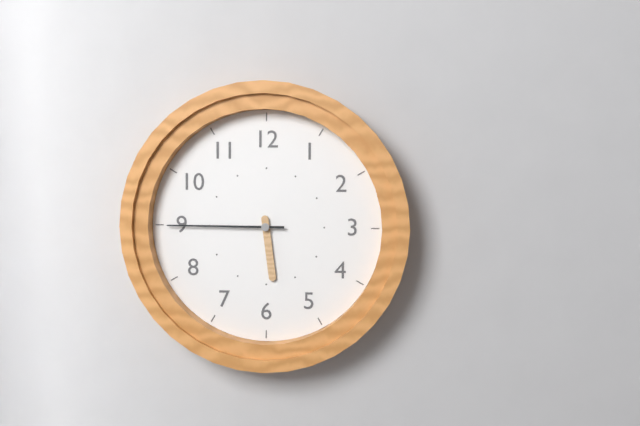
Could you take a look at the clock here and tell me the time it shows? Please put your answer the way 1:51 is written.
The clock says 5:45
